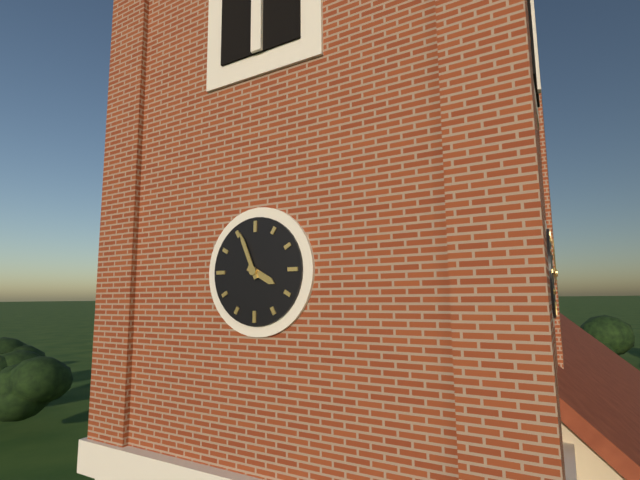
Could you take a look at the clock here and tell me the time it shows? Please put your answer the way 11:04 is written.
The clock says 3:56
